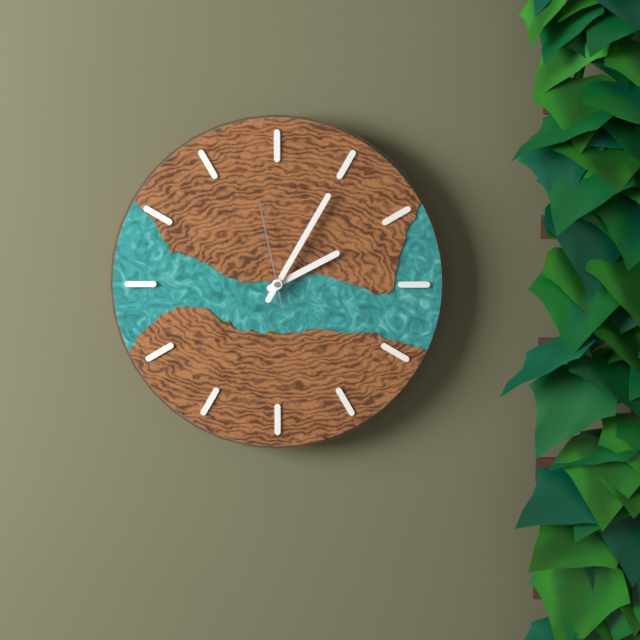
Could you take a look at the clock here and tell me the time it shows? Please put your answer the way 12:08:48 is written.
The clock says 2:05:58
